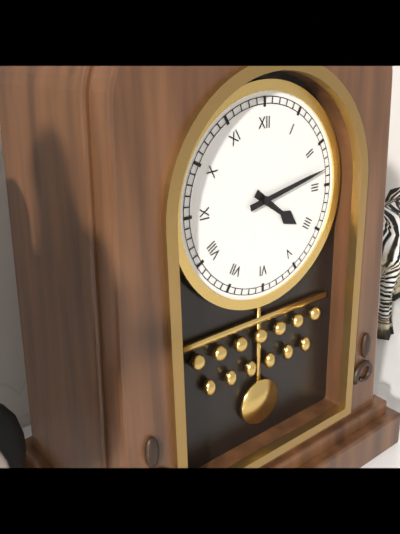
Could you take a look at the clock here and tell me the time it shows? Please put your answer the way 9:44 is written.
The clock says 4:13
